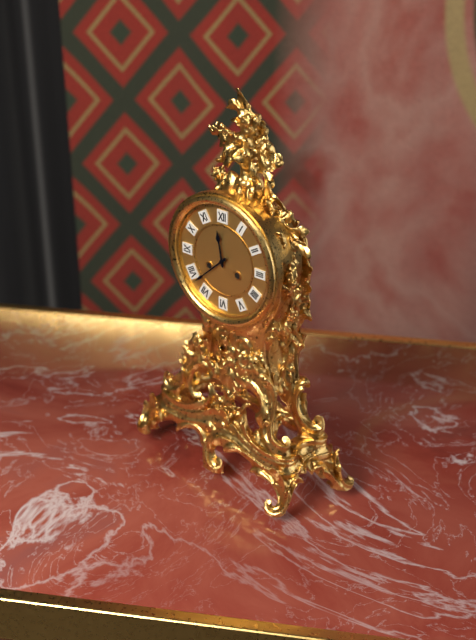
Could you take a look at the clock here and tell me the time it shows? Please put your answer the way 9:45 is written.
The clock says 11:38
